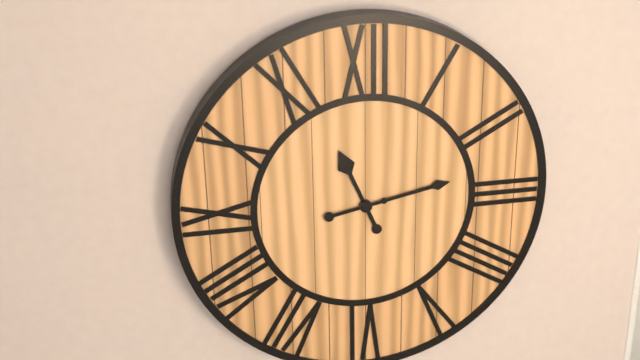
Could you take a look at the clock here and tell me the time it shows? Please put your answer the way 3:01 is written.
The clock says 11:13
